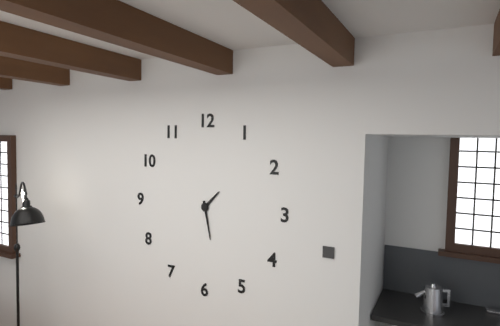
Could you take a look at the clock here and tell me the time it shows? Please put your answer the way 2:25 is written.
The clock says 1:28
